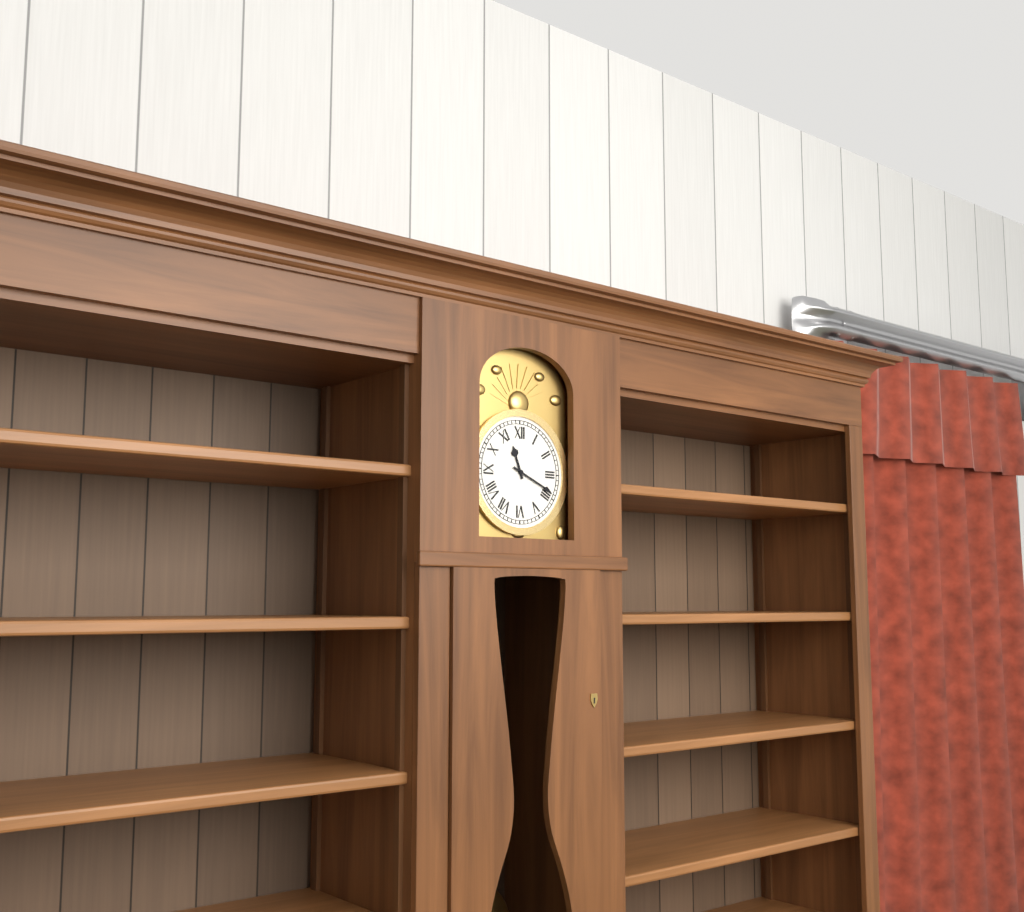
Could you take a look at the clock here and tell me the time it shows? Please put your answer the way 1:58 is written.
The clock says 11:19
